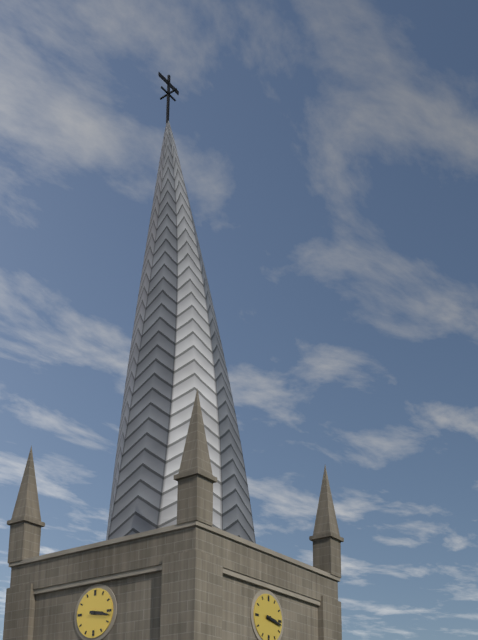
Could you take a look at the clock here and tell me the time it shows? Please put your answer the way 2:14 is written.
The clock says 3:17
